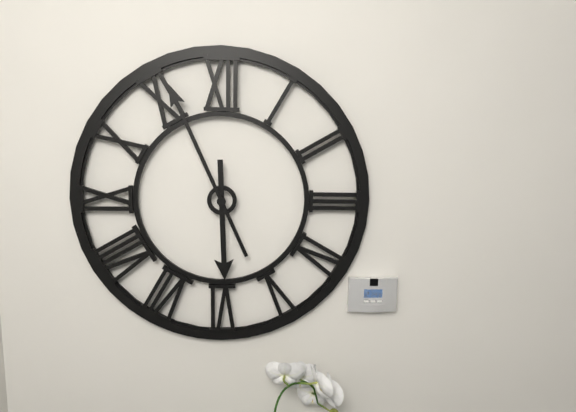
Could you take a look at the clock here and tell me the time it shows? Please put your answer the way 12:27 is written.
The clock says 5:56
